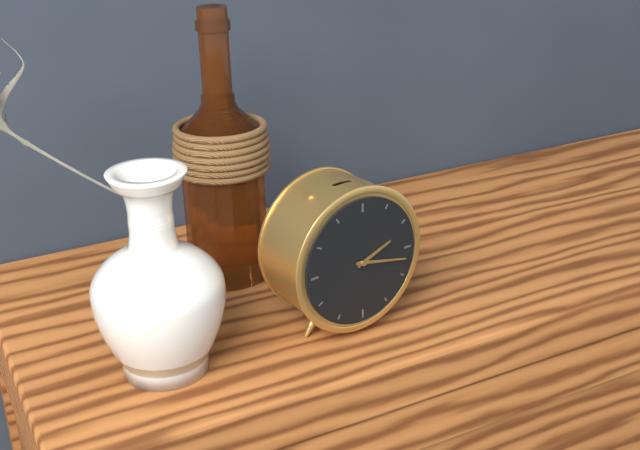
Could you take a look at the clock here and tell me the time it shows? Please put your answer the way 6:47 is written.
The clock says 2:17
